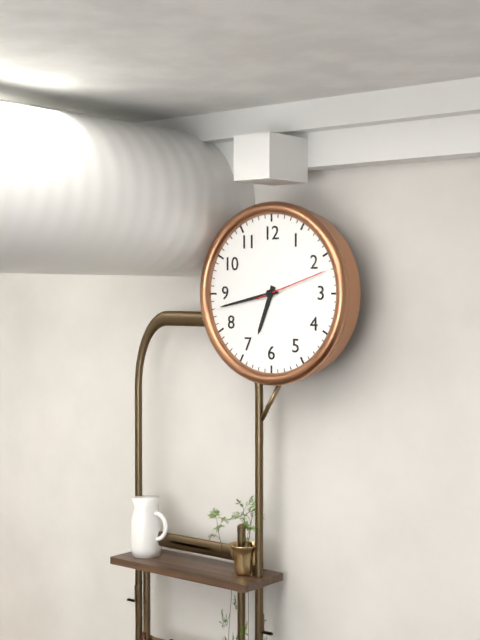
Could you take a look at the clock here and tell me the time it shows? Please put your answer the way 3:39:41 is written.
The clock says 6:43:12
